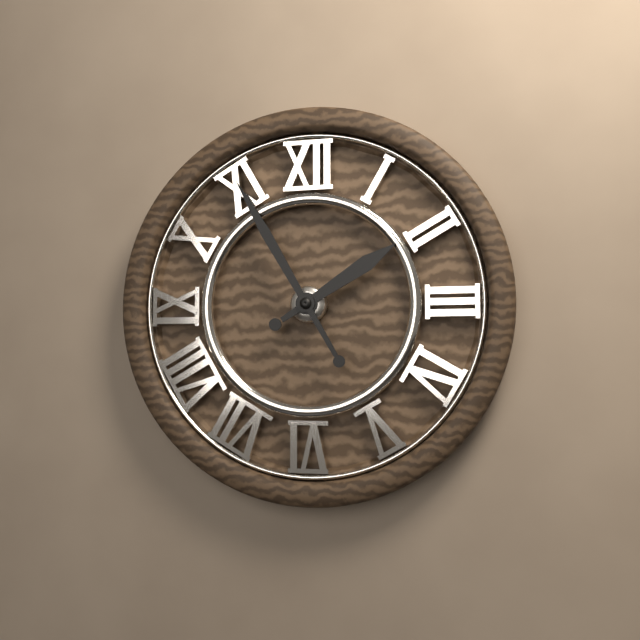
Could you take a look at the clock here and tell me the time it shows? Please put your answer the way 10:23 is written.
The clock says 1:55
